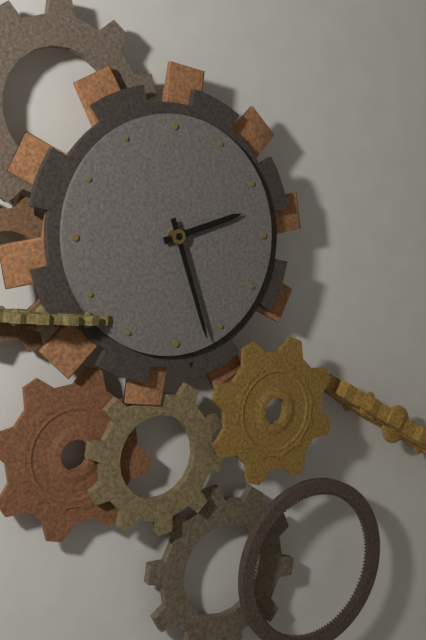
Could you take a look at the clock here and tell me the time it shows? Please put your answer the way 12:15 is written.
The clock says 2:27
